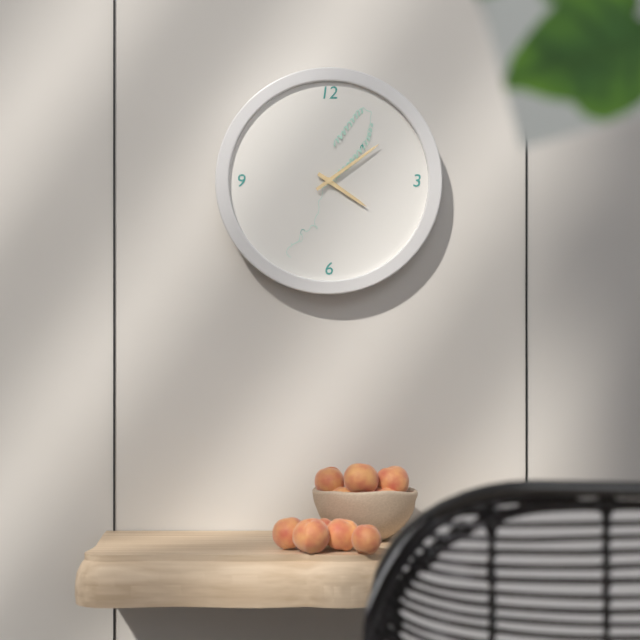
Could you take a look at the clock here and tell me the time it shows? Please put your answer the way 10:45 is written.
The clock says 4:09
